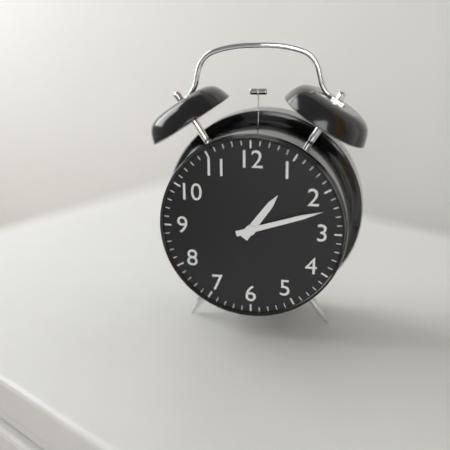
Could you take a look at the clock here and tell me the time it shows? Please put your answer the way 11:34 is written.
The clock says 1:12
